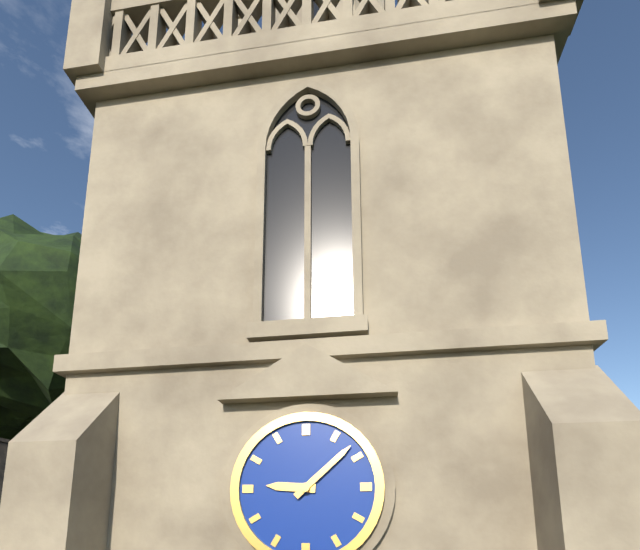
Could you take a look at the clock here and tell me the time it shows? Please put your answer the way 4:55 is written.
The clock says 9:08
